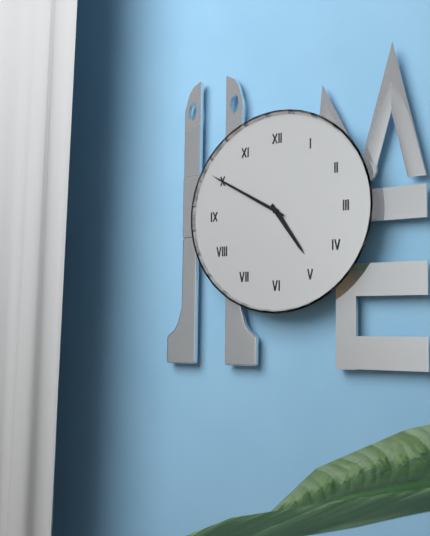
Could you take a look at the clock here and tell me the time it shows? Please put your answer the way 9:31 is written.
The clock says 4:50
